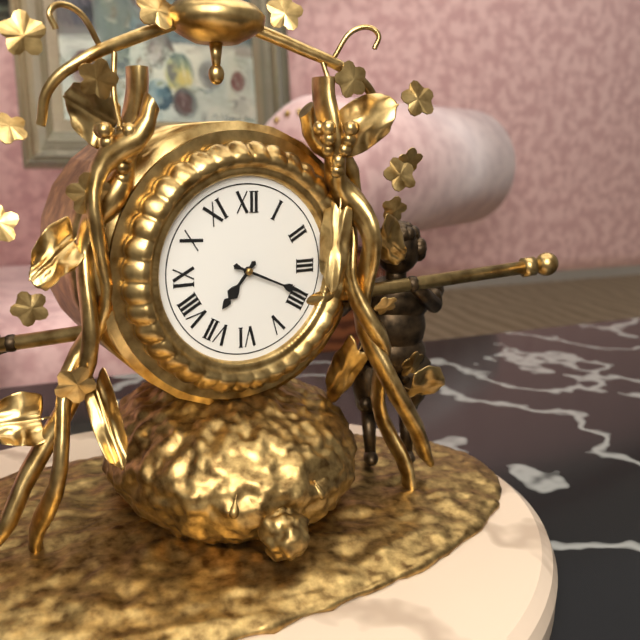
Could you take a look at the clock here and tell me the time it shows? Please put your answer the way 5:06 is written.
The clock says 7:19
